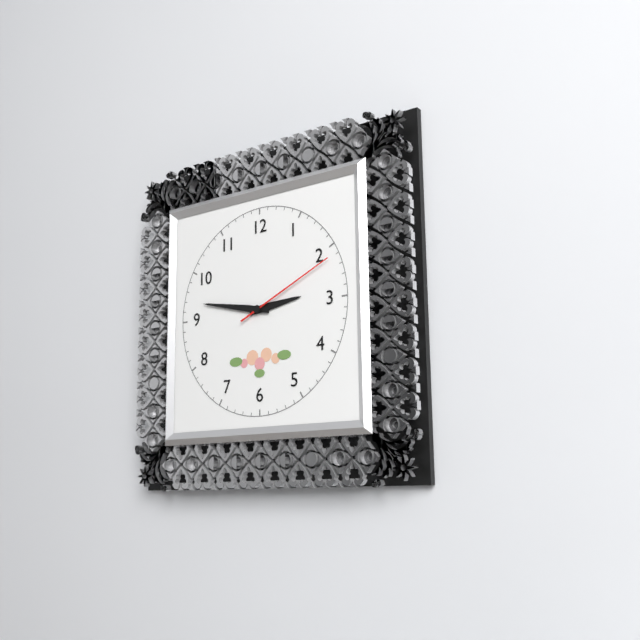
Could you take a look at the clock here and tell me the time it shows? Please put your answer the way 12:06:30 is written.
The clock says 2:47:11
